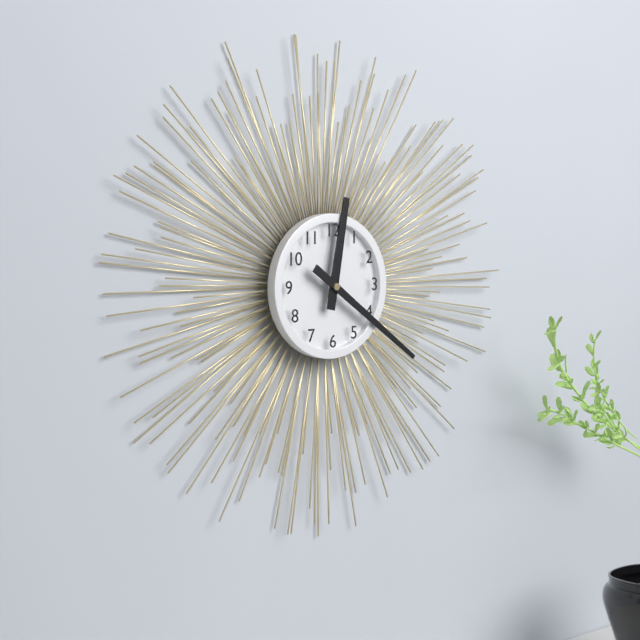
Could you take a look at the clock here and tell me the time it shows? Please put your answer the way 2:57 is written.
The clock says 12:21
